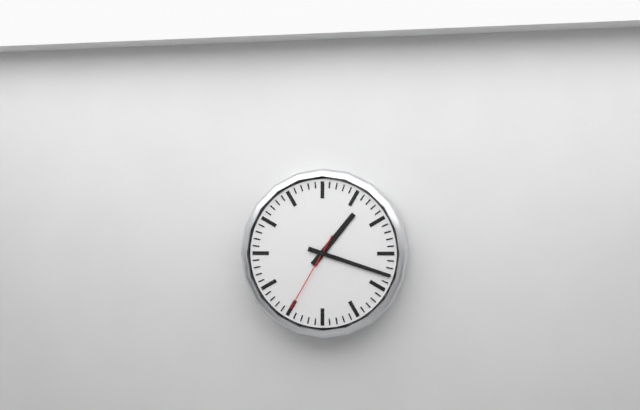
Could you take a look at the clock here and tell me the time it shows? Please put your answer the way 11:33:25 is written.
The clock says 1:18:35
